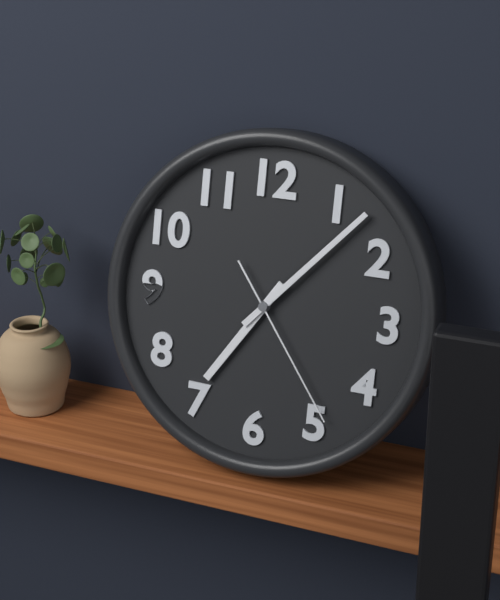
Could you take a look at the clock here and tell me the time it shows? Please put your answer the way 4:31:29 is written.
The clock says 7:07:24
